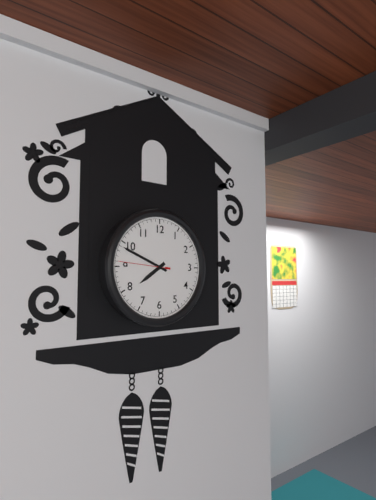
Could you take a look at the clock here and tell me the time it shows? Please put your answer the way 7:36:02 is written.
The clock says 7:49:46
